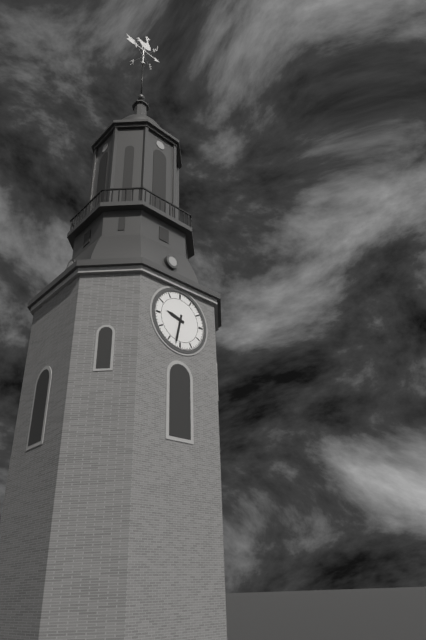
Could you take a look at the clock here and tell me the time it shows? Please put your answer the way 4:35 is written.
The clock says 9:32
